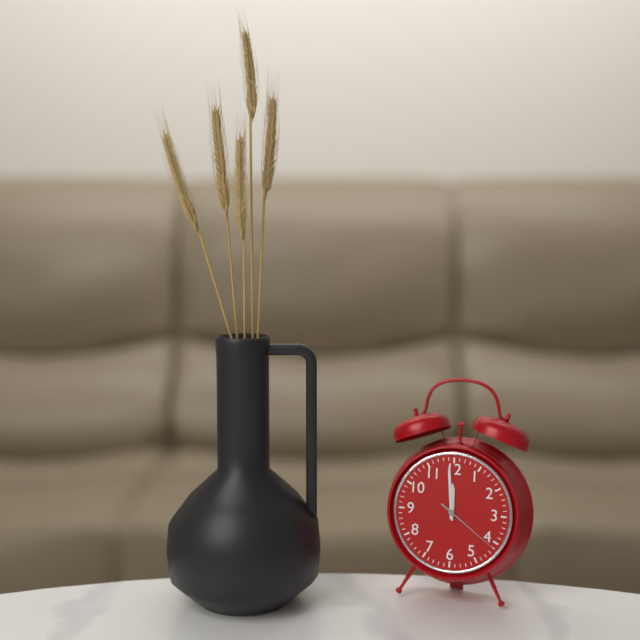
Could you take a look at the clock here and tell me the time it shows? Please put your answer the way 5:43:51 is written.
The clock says 11:59:21
